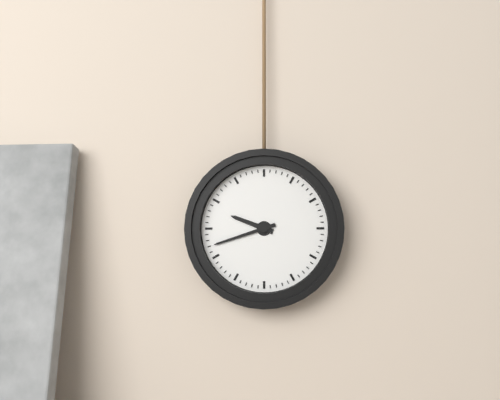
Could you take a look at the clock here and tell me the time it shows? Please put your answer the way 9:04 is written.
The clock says 9:42
